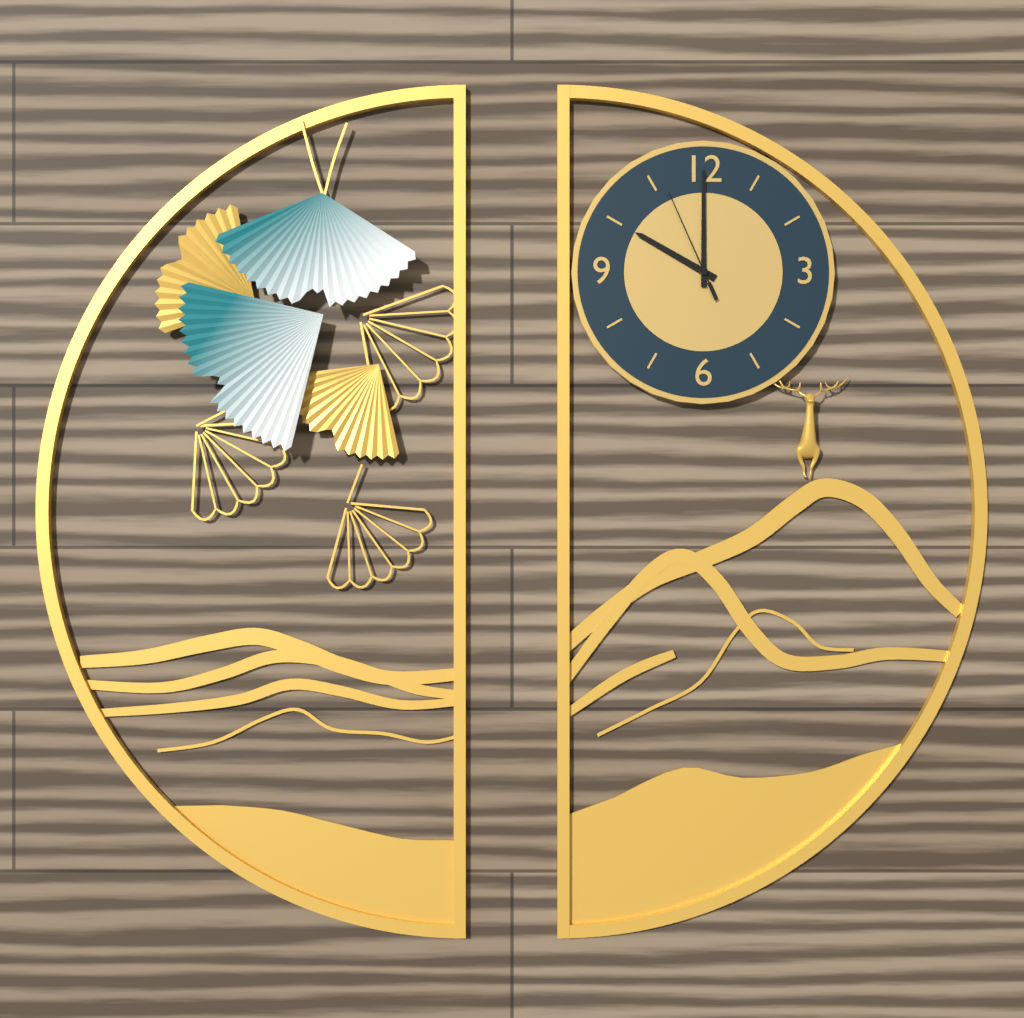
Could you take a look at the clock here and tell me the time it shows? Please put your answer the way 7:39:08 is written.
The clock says 10:00:56
